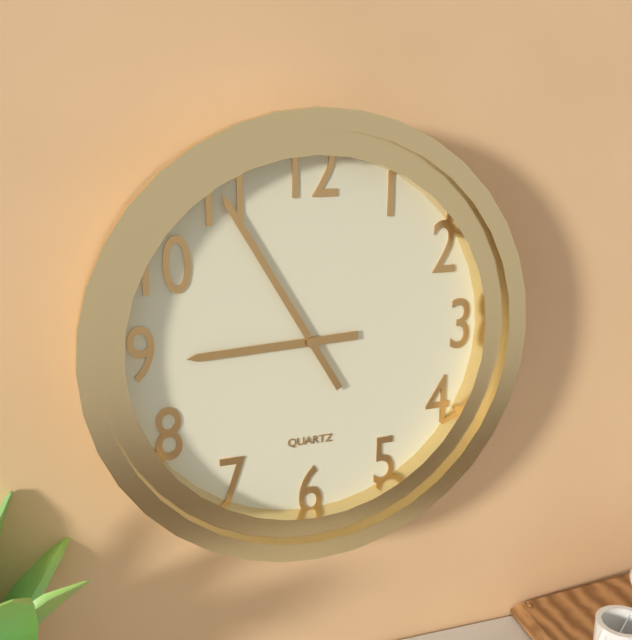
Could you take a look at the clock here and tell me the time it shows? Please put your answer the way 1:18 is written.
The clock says 8:55
